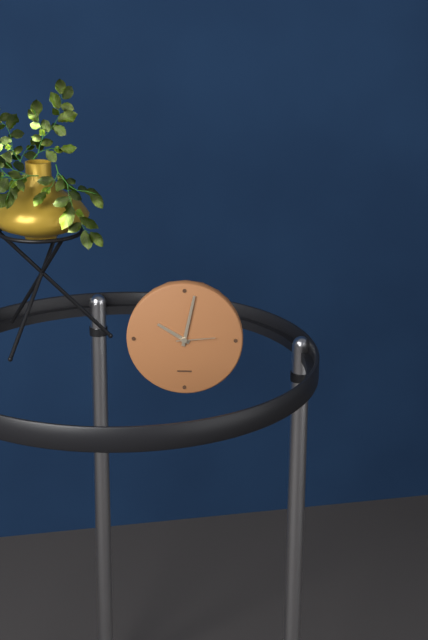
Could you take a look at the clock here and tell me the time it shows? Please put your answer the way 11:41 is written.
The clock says 10:02
